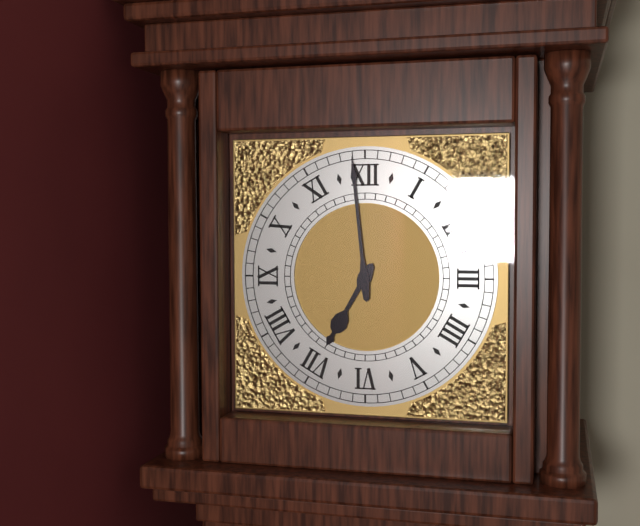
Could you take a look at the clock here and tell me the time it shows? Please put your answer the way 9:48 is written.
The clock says 6:59
